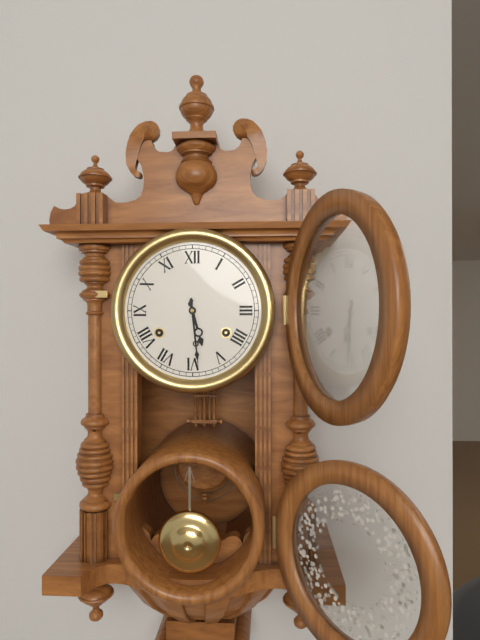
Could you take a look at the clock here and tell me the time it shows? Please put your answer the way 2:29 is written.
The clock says 5:29
